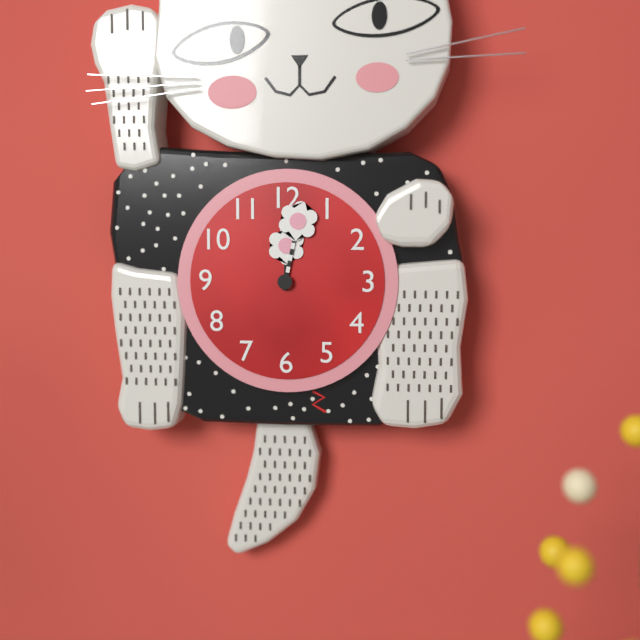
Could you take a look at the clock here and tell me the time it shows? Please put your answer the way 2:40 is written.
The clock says 12:02
